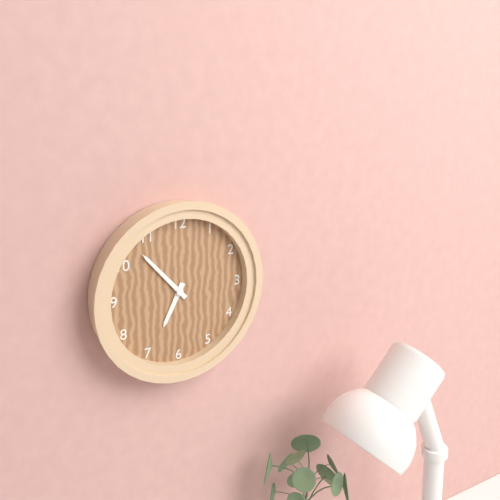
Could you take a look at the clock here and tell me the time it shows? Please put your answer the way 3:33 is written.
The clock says 6:53
